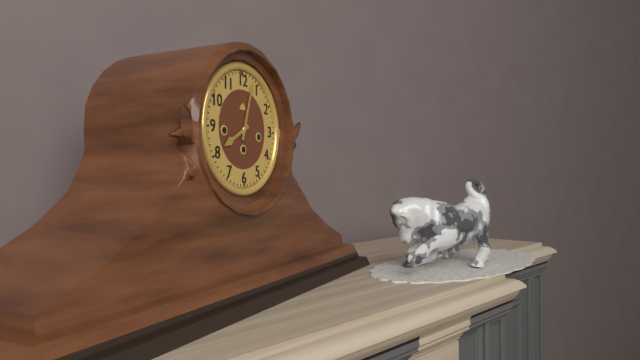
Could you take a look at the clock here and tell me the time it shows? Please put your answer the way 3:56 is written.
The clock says 8:03
